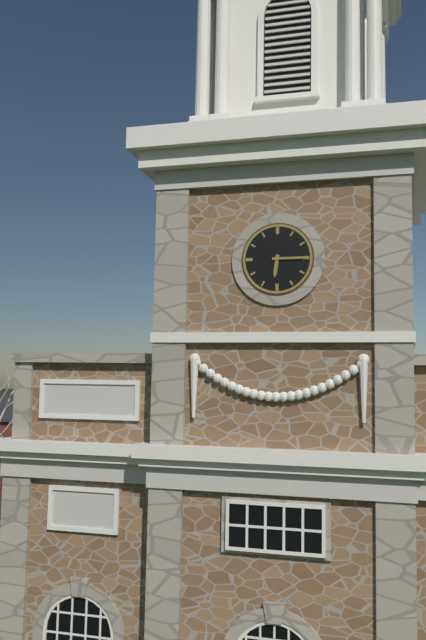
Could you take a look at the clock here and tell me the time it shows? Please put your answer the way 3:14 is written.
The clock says 6:15
